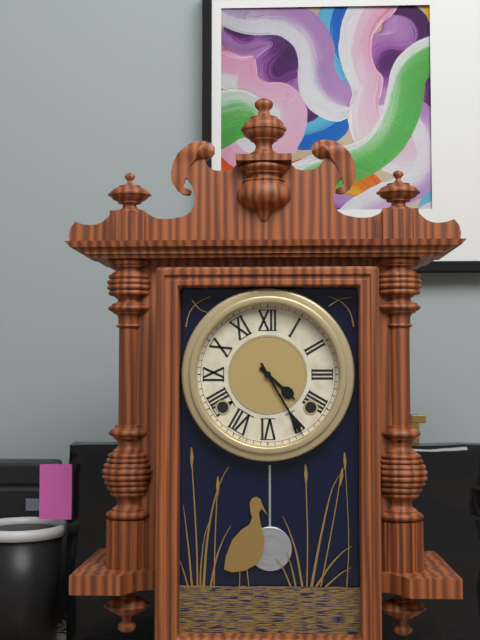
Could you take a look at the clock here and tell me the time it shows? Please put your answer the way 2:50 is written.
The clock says 4:25
